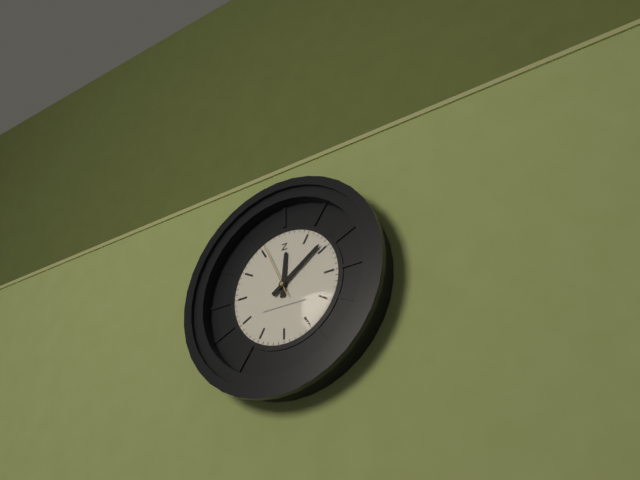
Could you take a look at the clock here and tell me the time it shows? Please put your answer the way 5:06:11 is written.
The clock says 12:09:56
